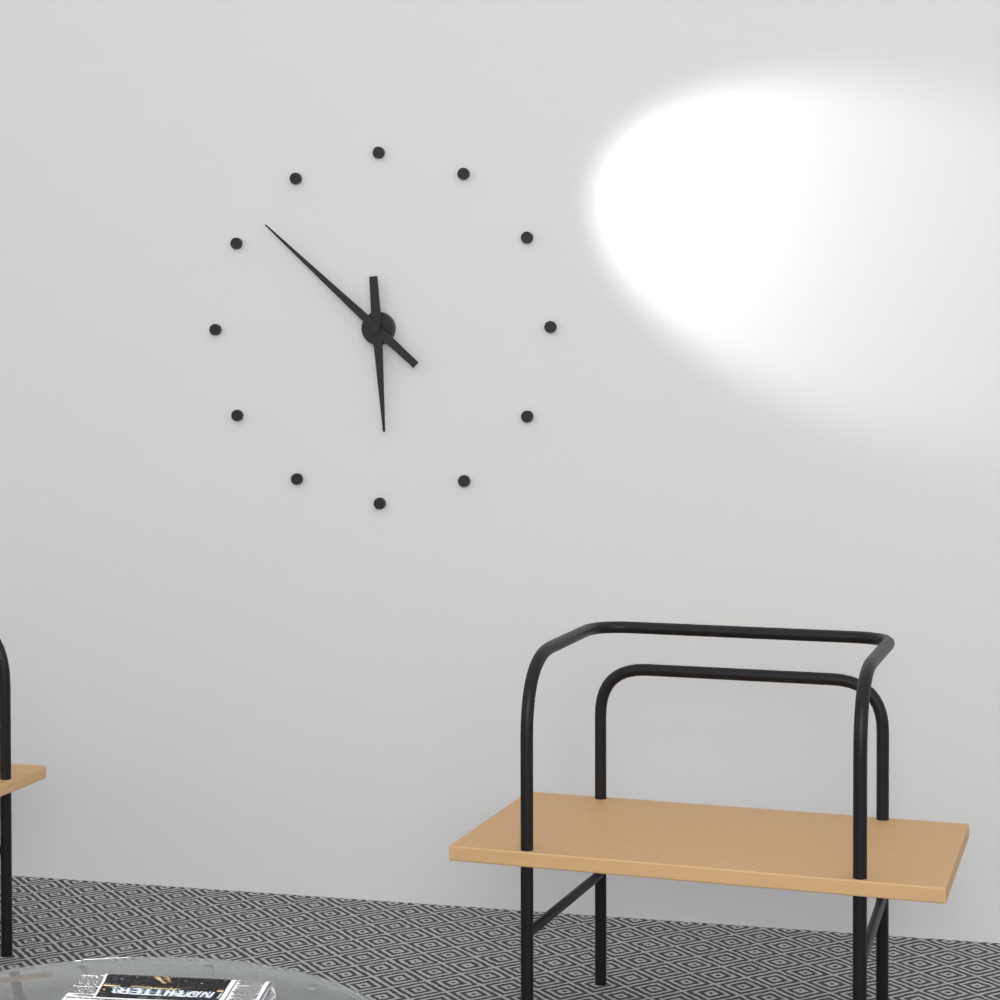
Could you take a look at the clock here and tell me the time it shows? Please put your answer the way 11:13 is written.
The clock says 5:52
